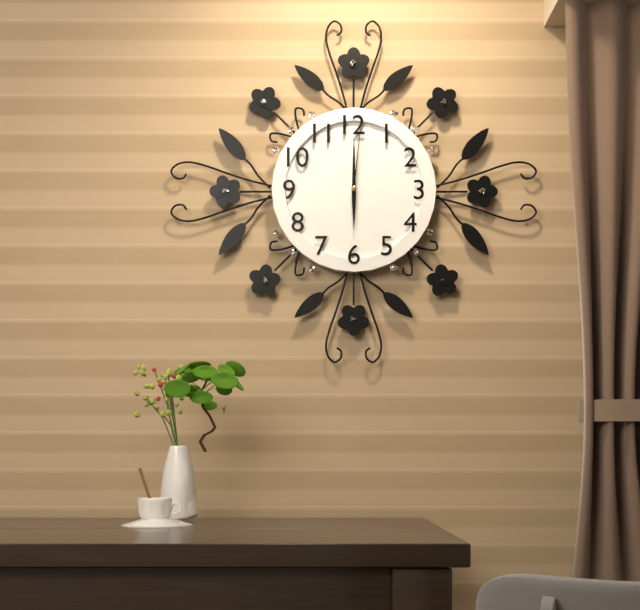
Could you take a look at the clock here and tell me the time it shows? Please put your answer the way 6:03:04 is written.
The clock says 6:00:01
